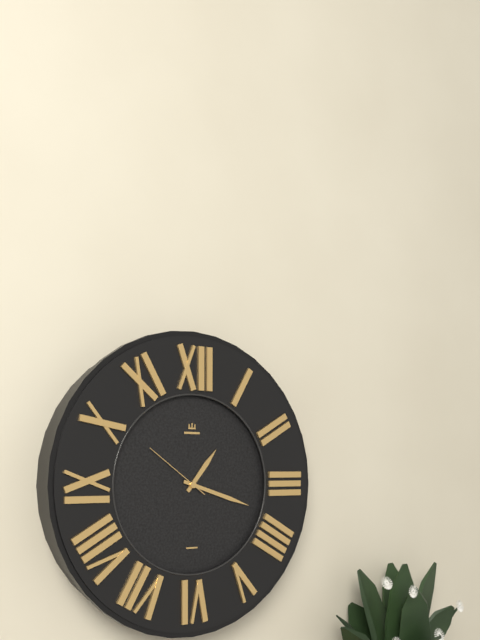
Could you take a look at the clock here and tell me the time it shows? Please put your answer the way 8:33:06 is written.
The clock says 1:18:51
